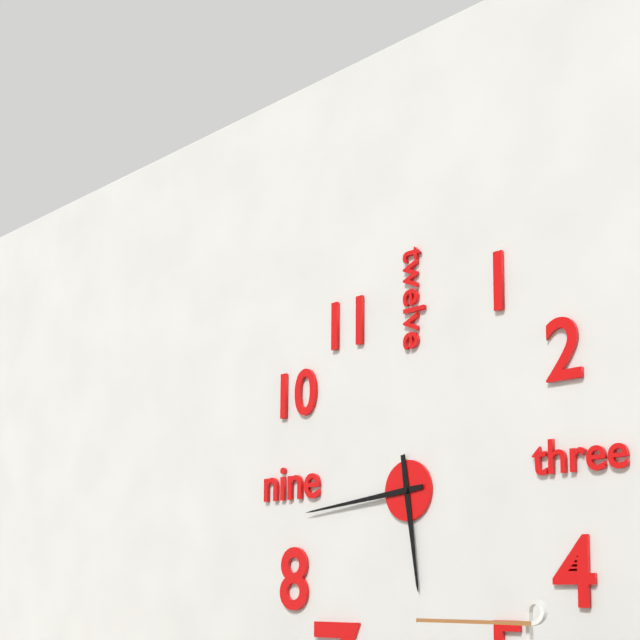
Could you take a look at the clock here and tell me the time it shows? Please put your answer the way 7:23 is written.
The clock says 5:44
